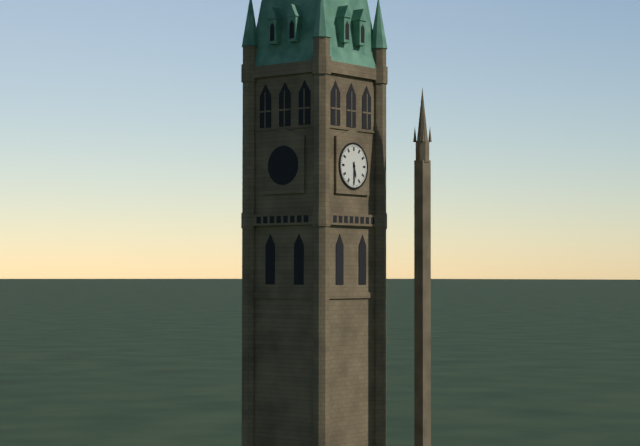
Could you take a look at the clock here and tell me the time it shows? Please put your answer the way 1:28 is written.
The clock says 5:30
